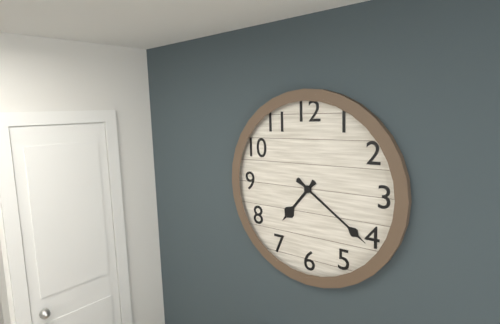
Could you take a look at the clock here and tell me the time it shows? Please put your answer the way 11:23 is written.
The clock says 7:21
